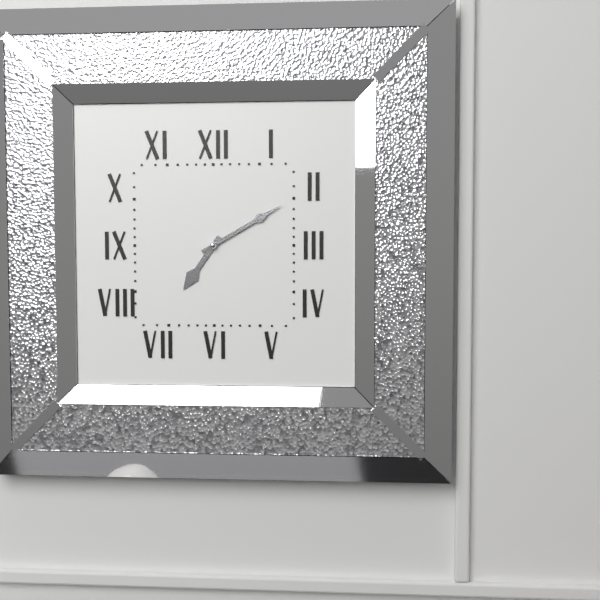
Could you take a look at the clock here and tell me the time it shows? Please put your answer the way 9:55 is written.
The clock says 7:10
